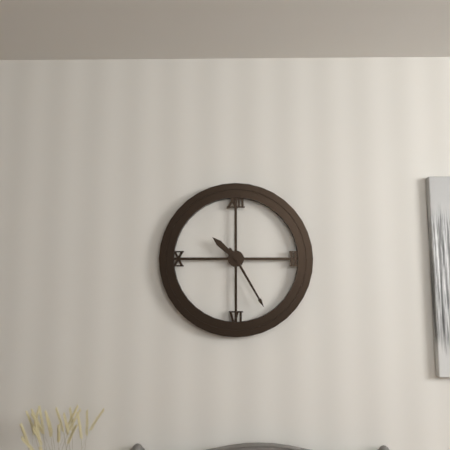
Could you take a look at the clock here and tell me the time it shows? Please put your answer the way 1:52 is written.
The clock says 10:25
